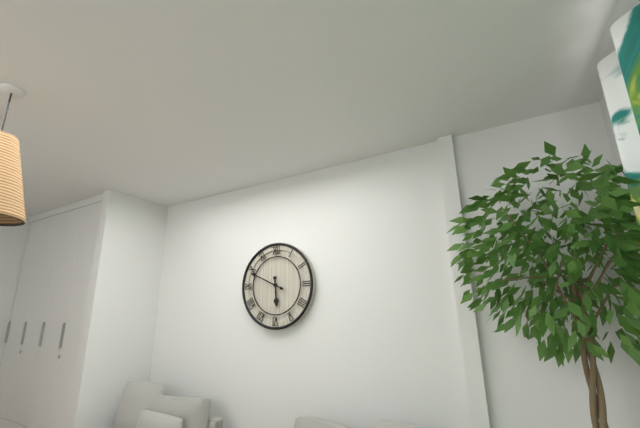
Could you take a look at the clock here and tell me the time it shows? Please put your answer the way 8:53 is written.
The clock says 5:49
